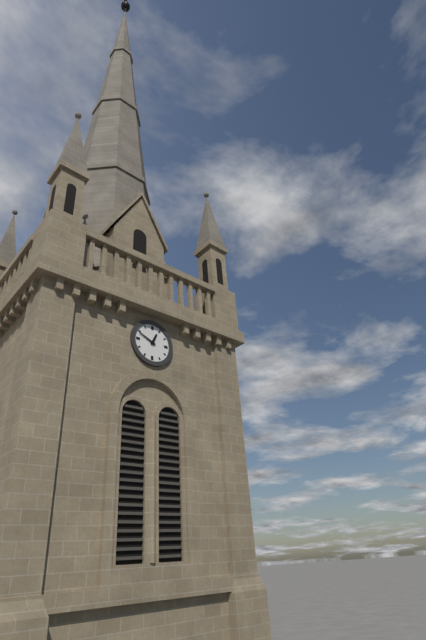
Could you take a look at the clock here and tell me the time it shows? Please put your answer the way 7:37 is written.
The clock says 12:49
